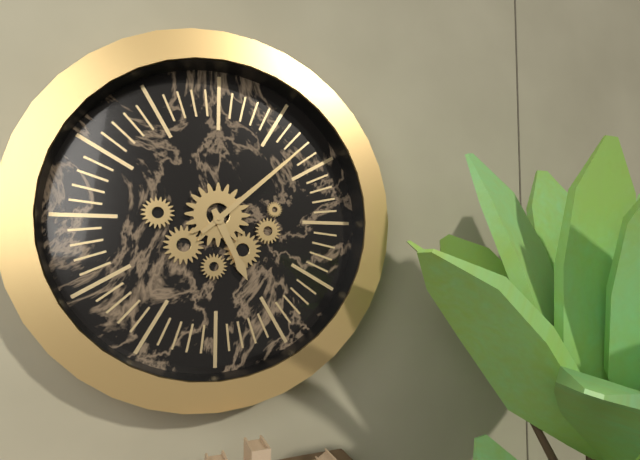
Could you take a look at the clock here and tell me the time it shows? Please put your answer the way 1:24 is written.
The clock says 5:08
